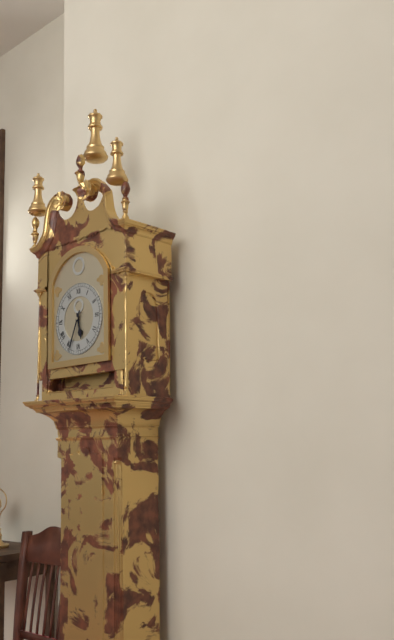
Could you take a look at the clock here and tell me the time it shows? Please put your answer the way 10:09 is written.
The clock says 5:34
